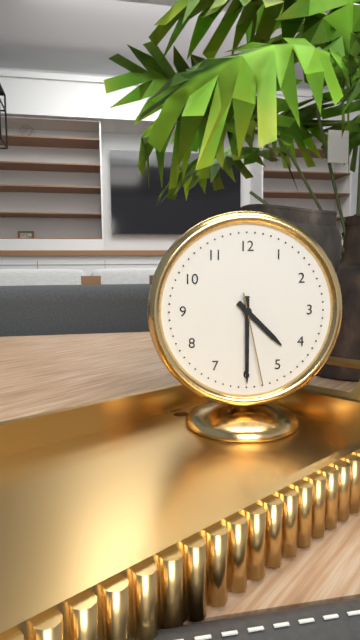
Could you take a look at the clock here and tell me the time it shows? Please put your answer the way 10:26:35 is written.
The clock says 4:30:28
